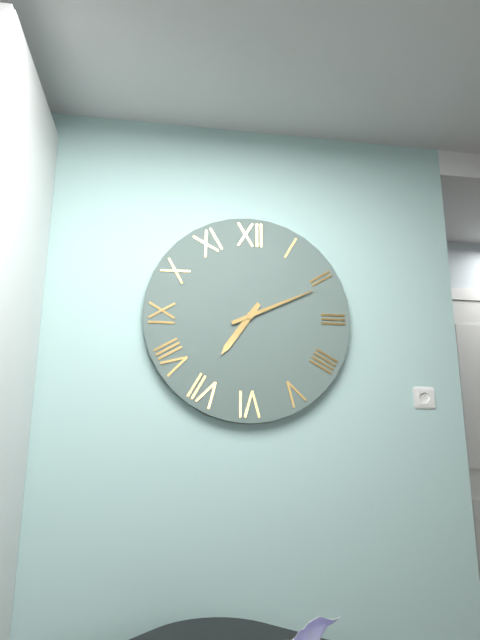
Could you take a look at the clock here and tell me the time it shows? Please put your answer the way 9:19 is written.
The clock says 7:11
